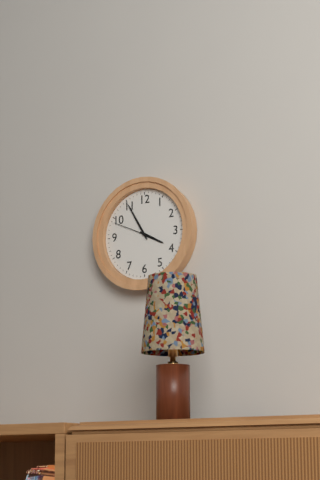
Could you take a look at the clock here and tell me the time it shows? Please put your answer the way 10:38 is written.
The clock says 3:55
